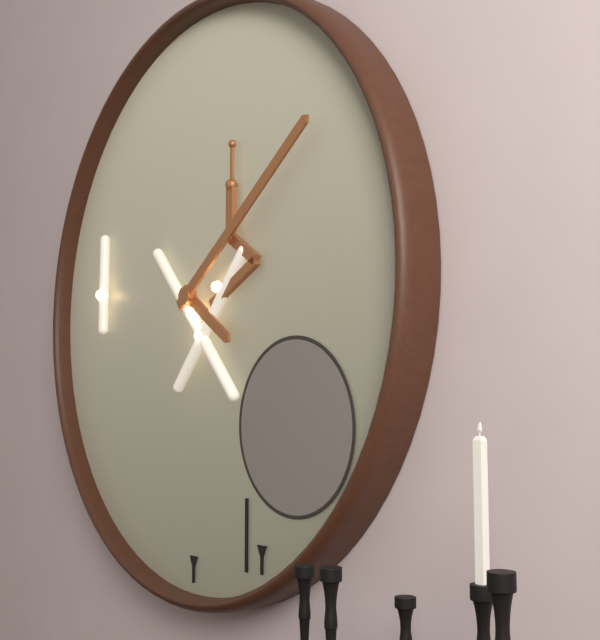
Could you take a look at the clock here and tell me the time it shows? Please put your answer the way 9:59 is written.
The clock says 4:09
